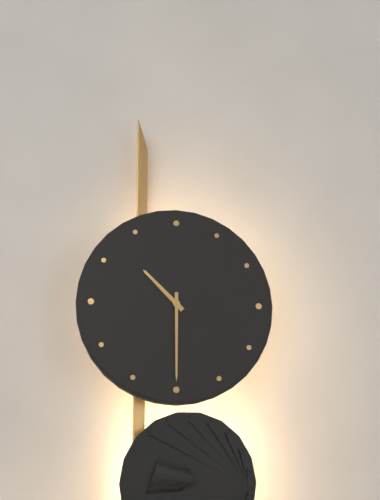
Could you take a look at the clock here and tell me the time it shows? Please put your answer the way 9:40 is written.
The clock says 10:30
